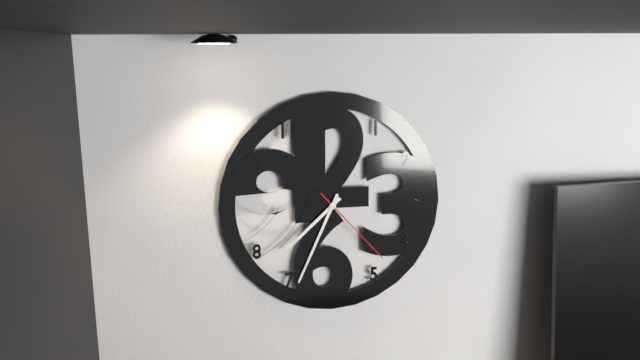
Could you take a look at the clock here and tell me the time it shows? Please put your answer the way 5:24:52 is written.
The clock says 7:34:23
